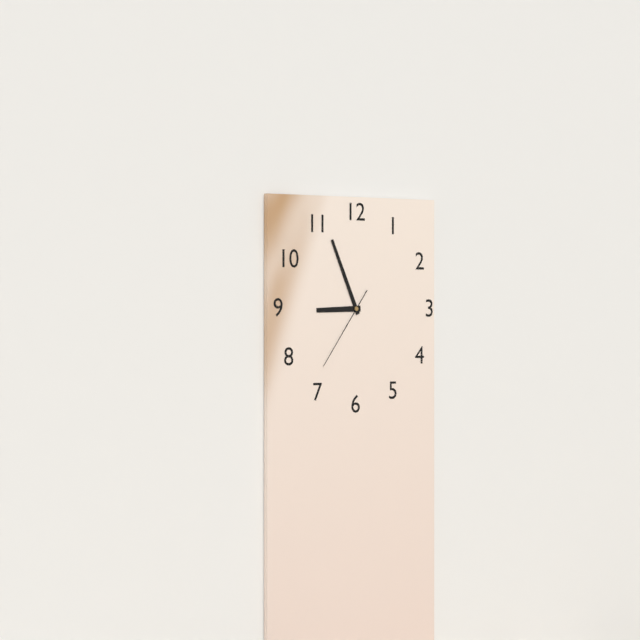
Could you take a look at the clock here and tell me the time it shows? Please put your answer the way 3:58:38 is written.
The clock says 8:56:36
